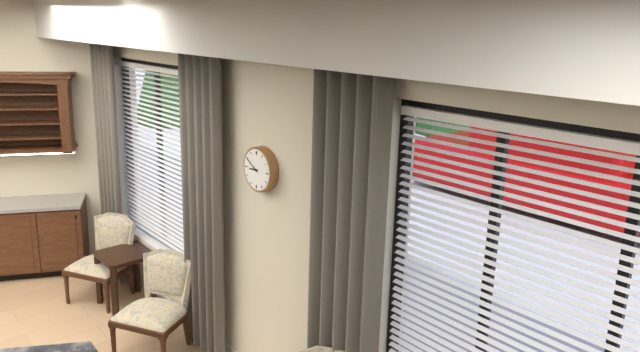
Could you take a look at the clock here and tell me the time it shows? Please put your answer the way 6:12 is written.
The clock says 8:50
